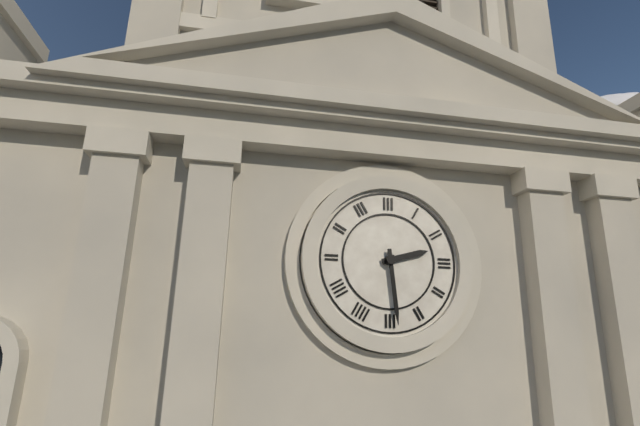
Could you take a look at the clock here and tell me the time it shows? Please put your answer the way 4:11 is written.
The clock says 2:29
